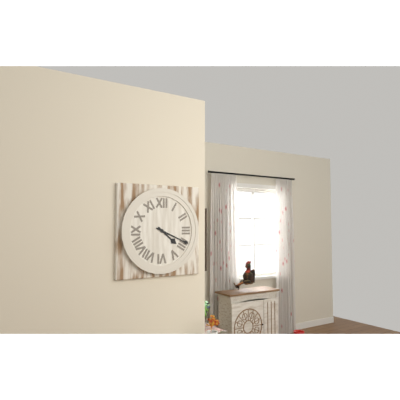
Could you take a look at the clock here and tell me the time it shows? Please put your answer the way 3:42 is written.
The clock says 4:19
